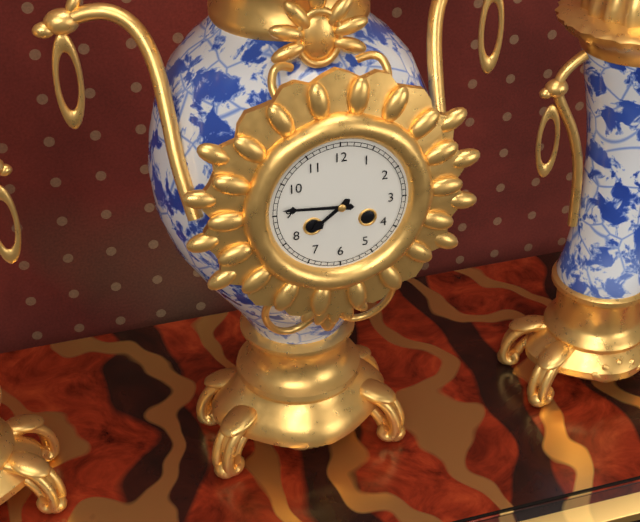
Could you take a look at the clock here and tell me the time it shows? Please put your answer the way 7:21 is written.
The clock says 7:46
